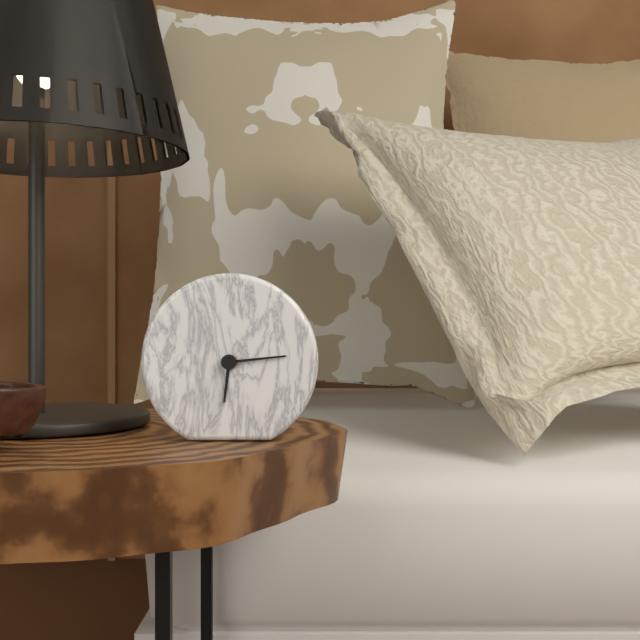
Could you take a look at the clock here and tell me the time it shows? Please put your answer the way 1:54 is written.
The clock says 6:14
